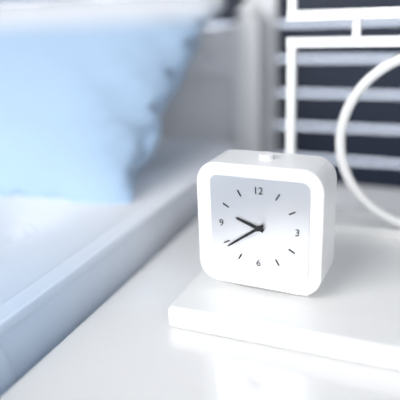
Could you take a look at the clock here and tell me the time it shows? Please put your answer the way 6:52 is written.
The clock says 9:39
